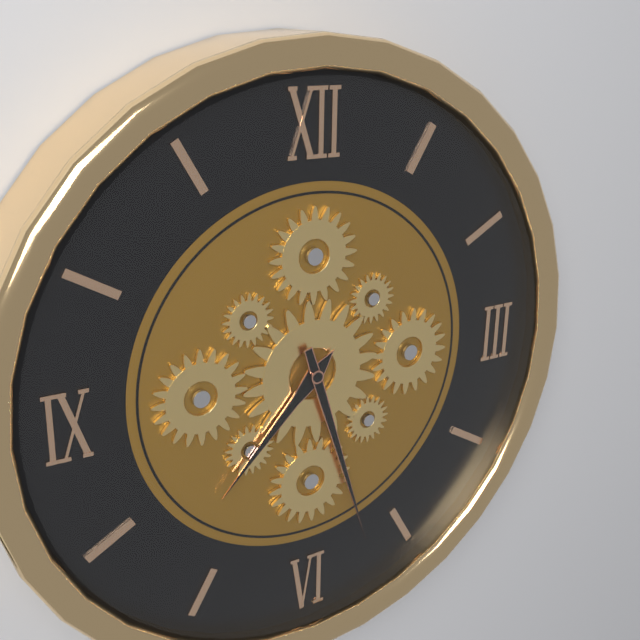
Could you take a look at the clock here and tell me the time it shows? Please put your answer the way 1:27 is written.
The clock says 7:27
